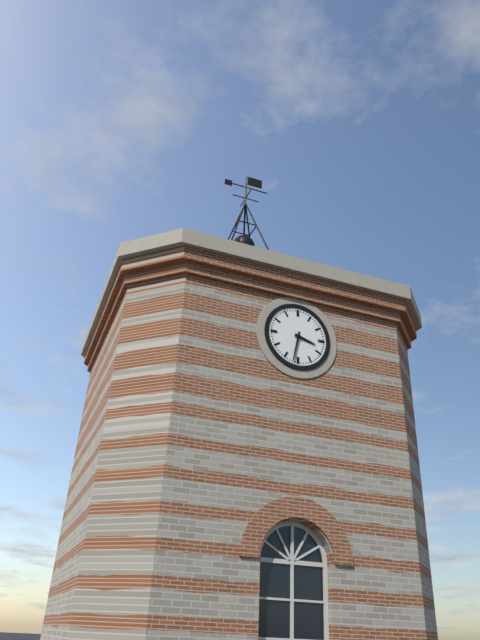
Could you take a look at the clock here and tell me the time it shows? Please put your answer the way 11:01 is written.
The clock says 3:32
